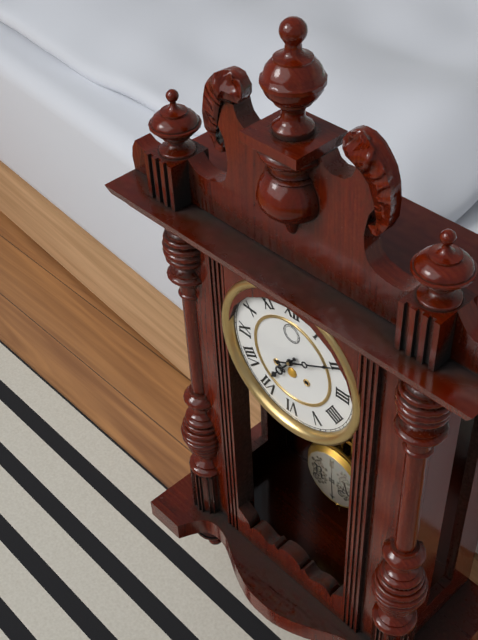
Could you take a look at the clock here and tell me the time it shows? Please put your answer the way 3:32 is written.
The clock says 7:10
